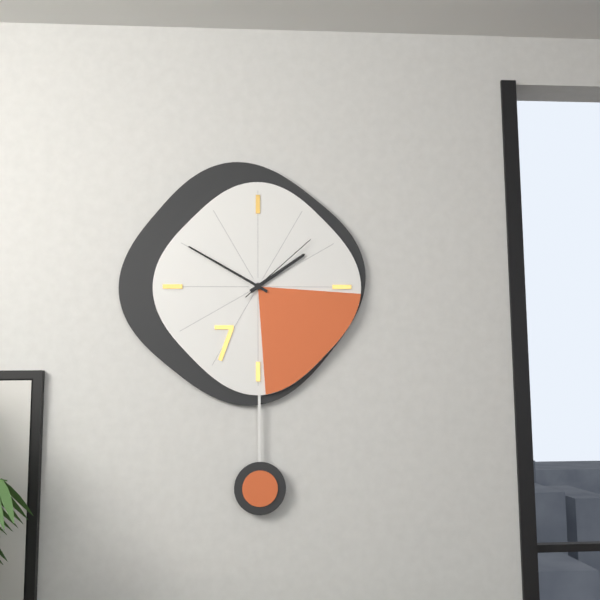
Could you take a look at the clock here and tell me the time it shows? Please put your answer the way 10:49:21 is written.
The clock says 1:50:08
